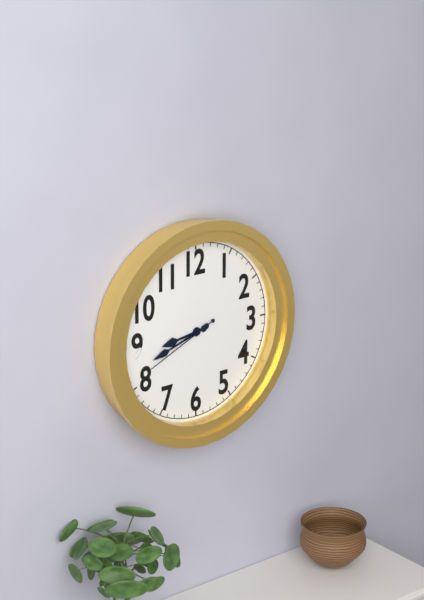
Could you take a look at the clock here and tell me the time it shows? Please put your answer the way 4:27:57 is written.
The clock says 8:42:41
